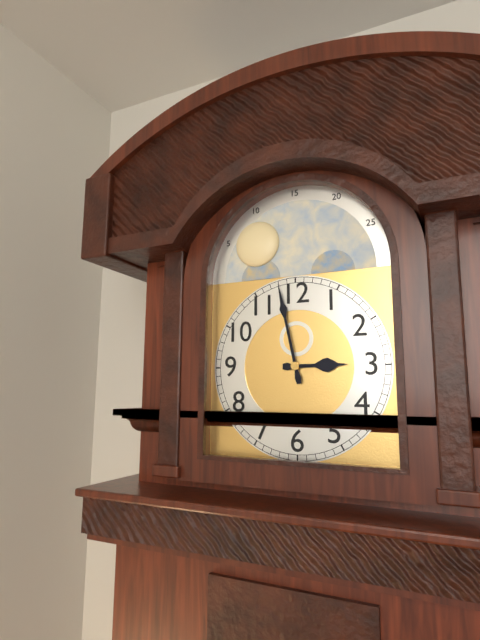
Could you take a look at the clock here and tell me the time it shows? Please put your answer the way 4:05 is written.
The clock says 2:58
